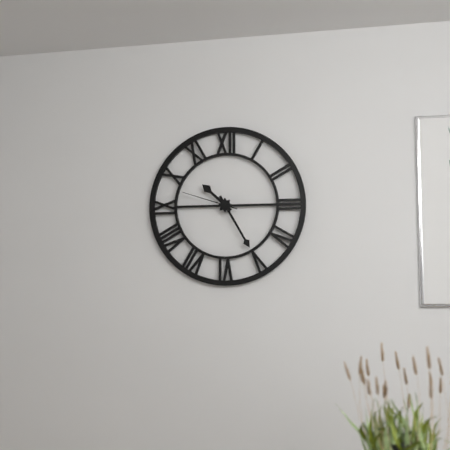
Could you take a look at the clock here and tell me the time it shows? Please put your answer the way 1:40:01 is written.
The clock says 10:25:48
